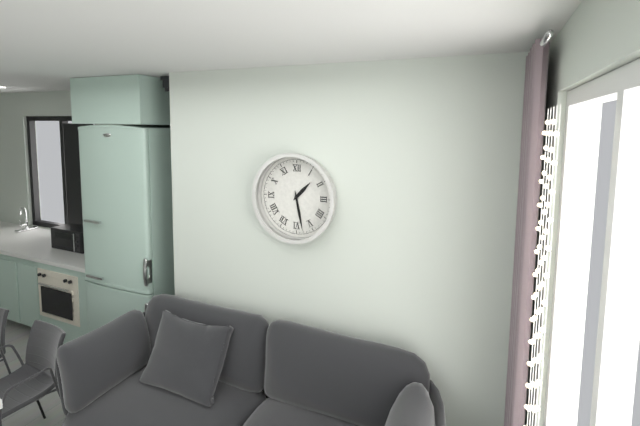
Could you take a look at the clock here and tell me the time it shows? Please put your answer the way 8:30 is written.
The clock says 1:28
